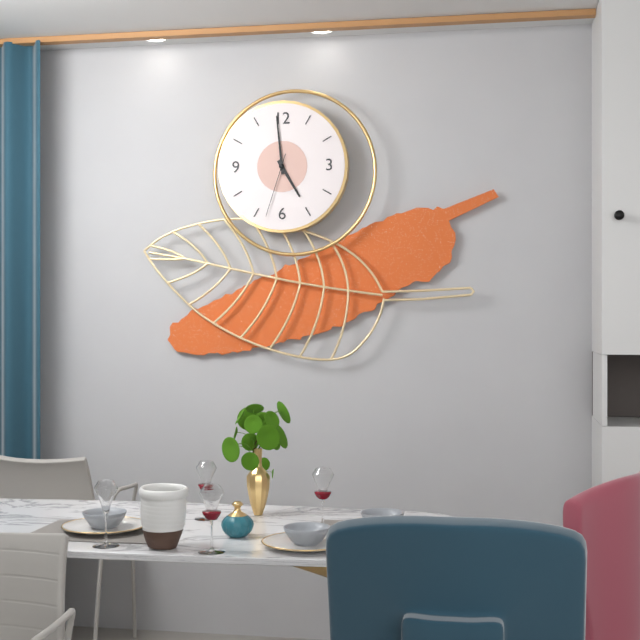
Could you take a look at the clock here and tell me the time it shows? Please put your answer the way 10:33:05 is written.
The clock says 4:59:33
